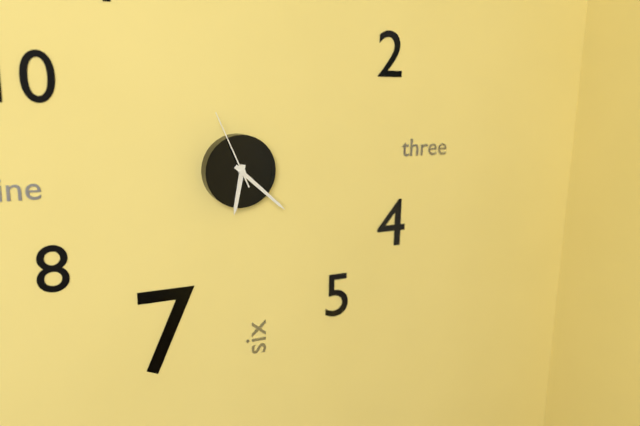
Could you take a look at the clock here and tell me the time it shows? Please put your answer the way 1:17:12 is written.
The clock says 6:22:56
